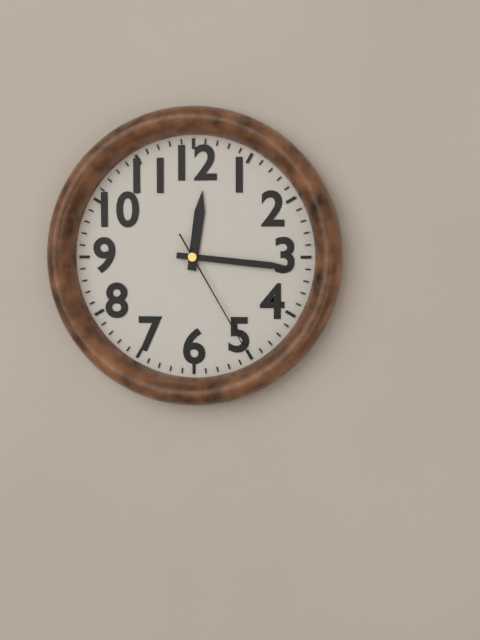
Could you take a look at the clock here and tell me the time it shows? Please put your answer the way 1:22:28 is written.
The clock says 12:16:25
